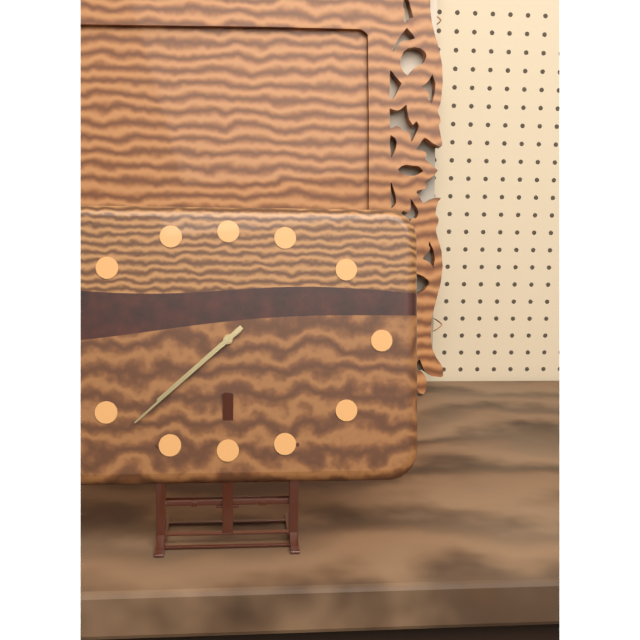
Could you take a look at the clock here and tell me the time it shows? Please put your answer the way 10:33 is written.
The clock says 7:38
